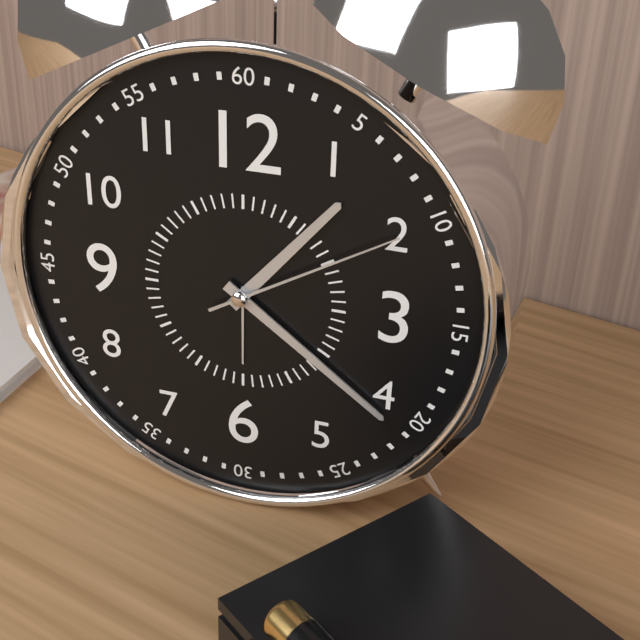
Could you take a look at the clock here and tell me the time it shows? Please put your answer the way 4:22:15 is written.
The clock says 1:21:10
